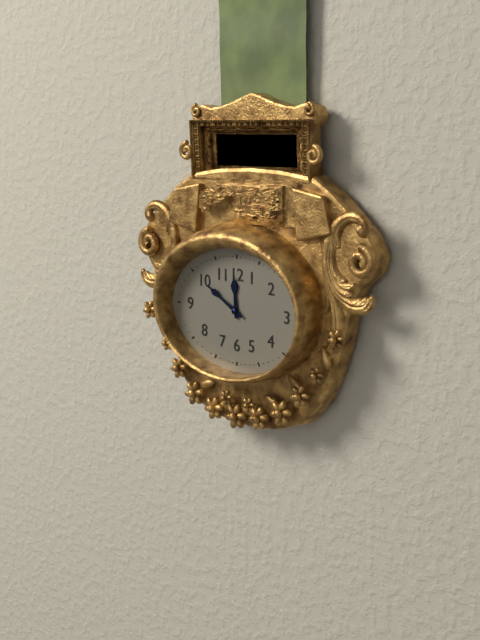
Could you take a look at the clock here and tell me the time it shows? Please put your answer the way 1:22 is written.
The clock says 11:50
